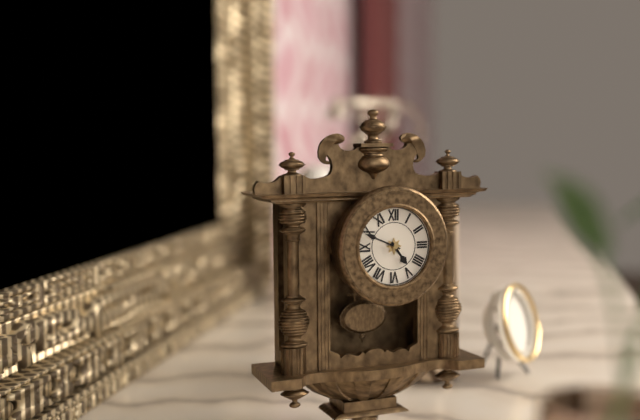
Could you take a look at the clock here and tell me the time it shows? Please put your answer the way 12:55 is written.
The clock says 4:49
